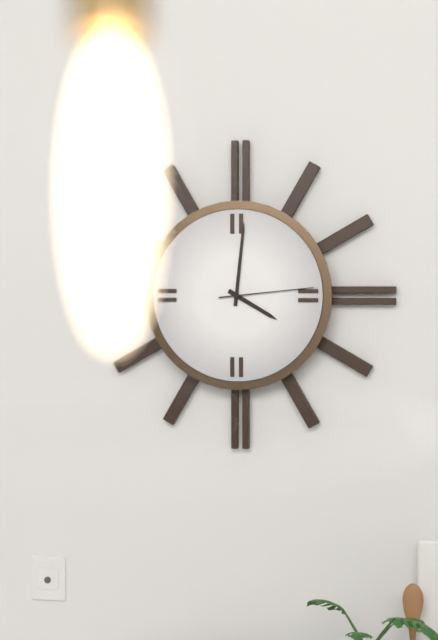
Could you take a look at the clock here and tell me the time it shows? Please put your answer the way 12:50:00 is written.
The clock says 4:01:14
